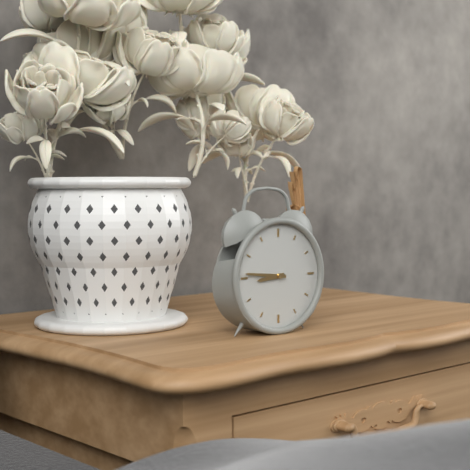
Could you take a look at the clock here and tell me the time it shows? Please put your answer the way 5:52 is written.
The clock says 8:46
